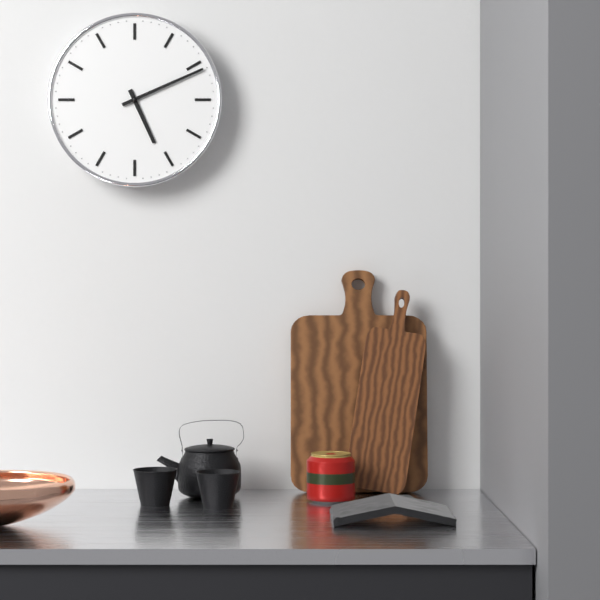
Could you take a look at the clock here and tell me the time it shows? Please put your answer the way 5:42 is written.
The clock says 5:11
